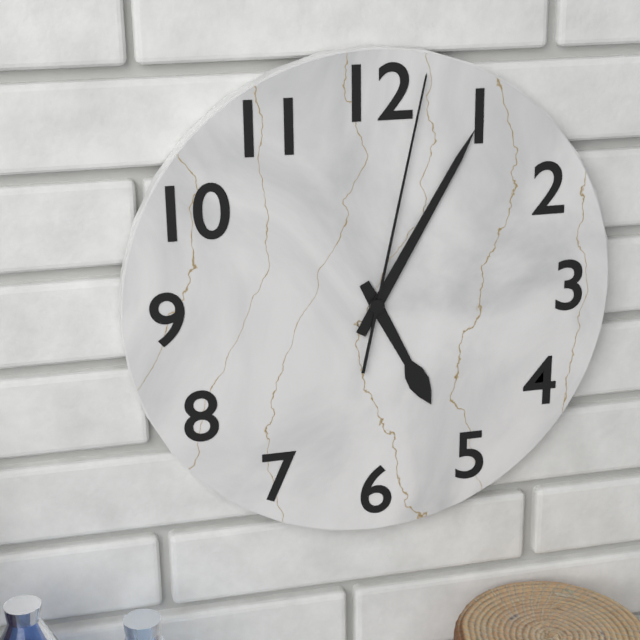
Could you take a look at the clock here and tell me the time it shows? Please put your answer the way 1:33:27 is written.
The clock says 5:05:02
